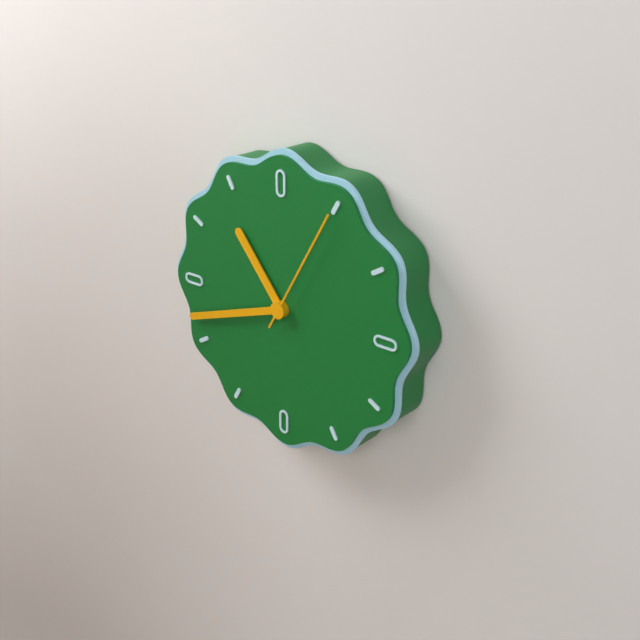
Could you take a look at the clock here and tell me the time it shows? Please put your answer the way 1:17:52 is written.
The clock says 10:42:05
